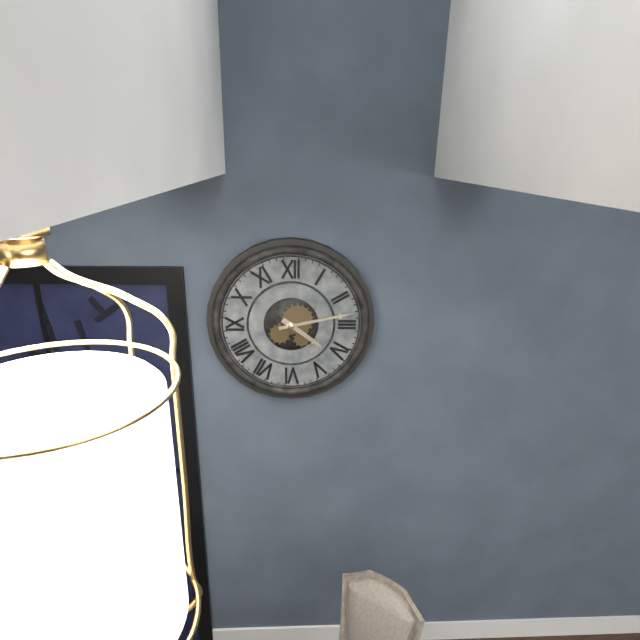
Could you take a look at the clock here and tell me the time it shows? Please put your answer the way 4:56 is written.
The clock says 4:13
